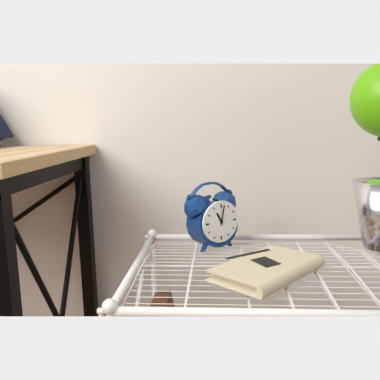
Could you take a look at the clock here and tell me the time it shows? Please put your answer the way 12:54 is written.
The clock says 11:02
